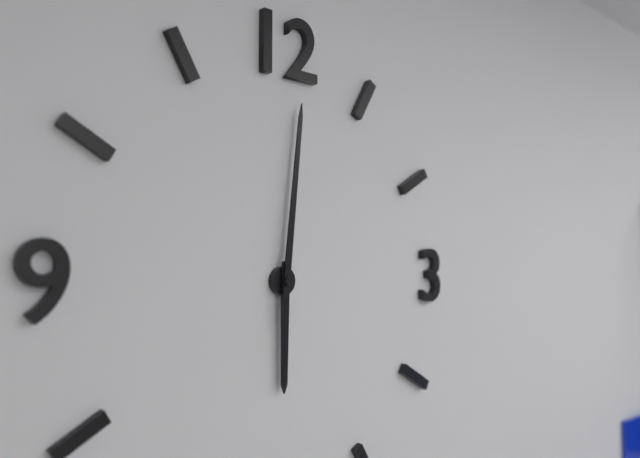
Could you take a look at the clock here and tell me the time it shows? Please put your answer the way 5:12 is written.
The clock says 6:01
